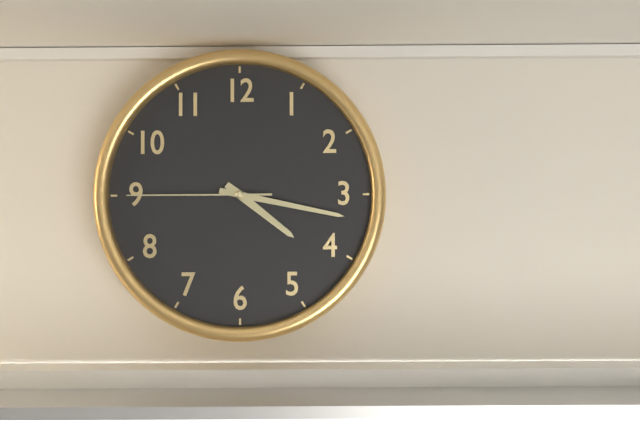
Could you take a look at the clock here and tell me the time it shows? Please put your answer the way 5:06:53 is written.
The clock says 4:17:45
